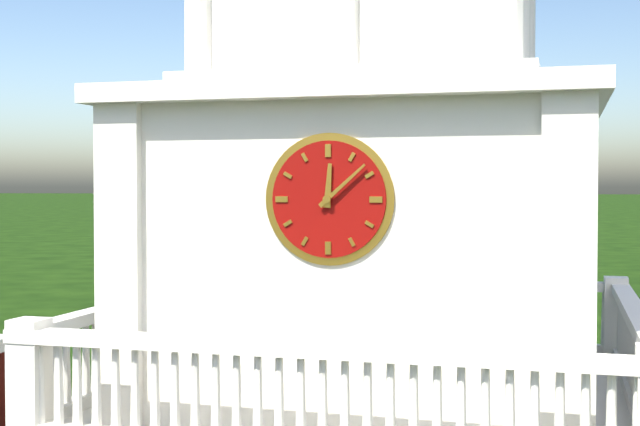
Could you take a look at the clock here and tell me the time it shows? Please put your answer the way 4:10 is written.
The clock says 12:08
